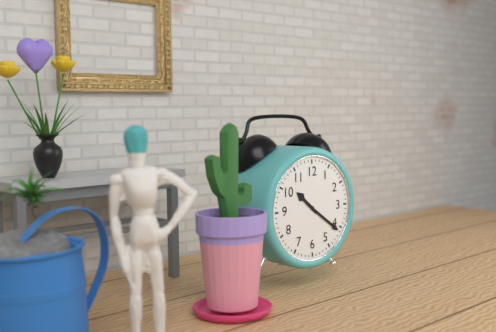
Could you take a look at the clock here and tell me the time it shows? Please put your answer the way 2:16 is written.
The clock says 10:21
